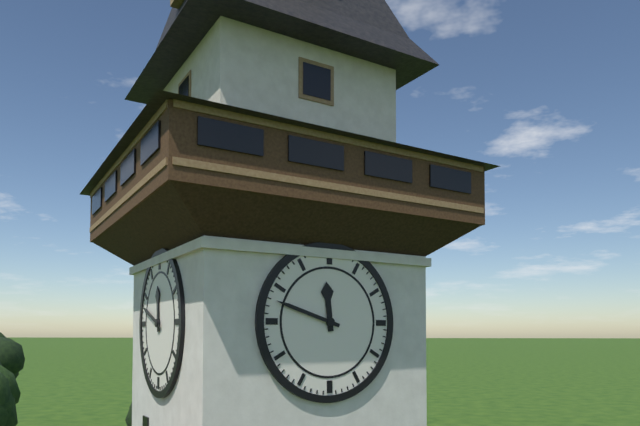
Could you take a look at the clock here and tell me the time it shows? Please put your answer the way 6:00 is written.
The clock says 11:48
